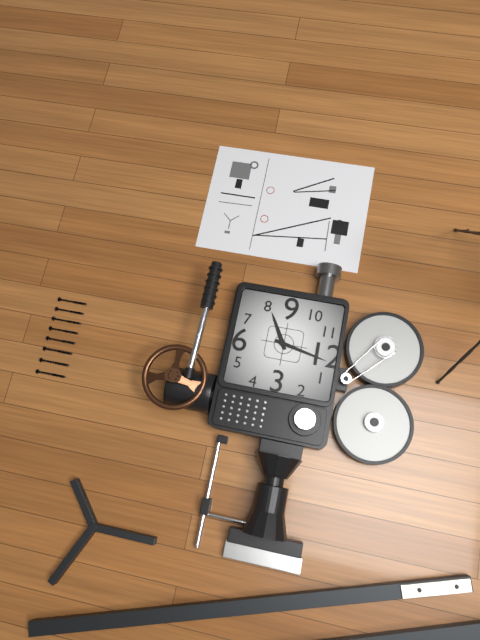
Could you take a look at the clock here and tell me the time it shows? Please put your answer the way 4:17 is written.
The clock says 8:02
